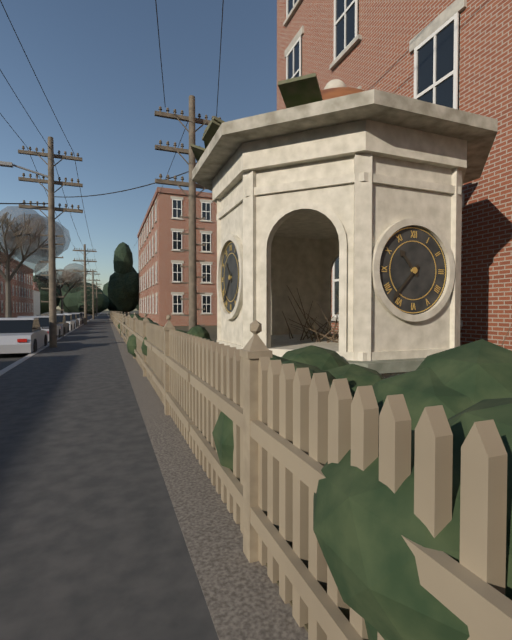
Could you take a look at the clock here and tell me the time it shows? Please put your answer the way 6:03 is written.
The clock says 10:37
